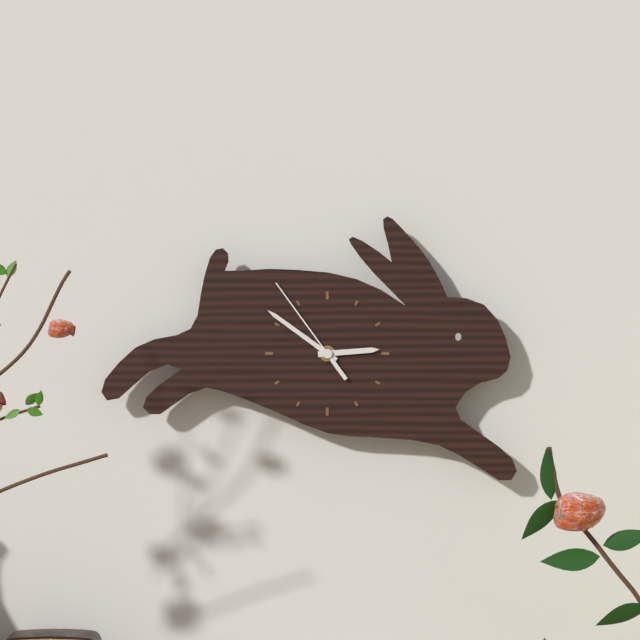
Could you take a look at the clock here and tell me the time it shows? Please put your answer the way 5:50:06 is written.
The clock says 2:51:54
